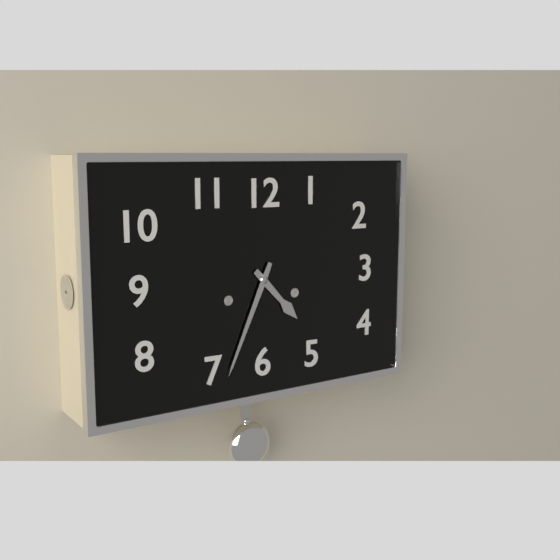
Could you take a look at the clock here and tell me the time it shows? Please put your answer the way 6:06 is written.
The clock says 4:34
